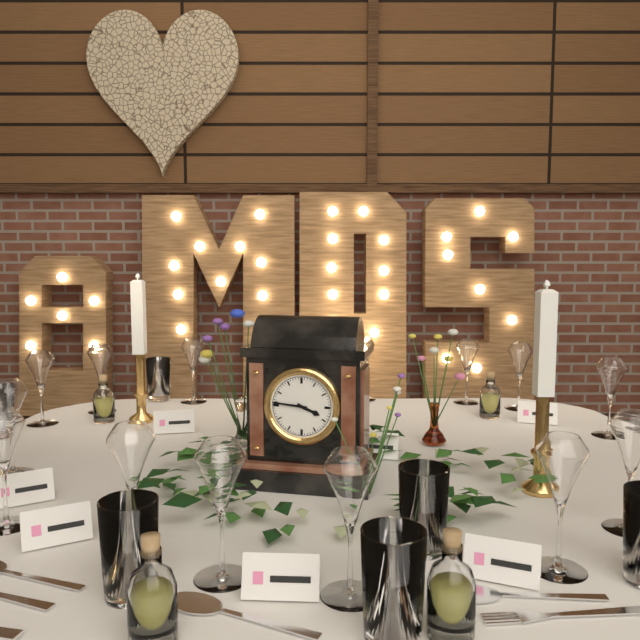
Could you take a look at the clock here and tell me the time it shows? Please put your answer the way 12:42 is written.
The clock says 3:46
